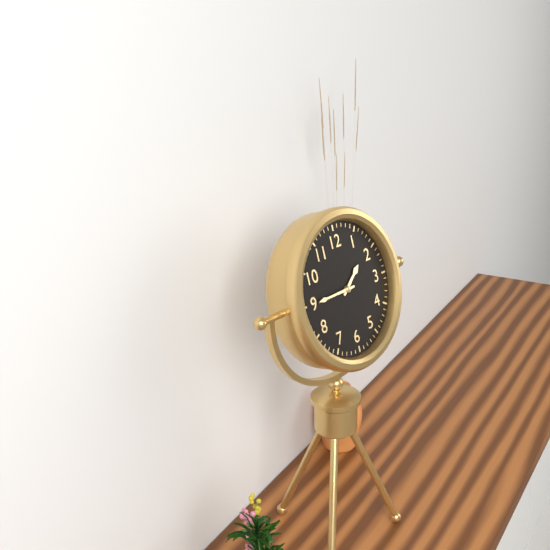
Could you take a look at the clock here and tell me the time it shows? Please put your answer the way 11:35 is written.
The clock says 1:45
